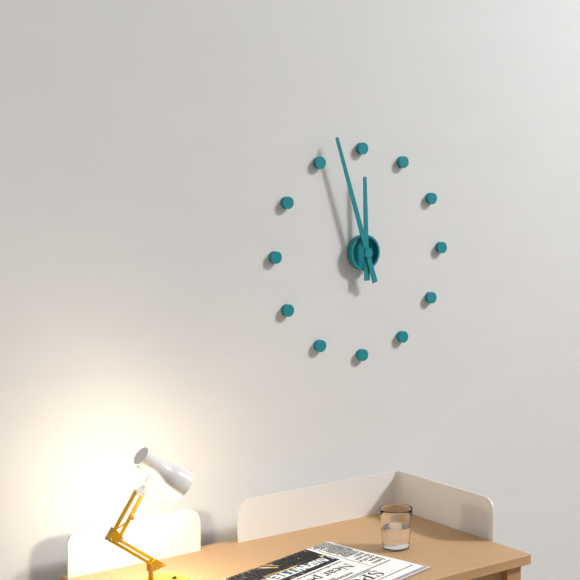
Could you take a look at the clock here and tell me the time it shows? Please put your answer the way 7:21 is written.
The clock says 11:57
